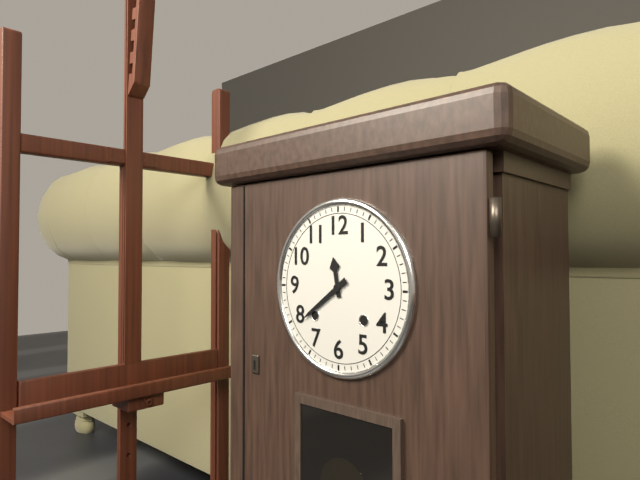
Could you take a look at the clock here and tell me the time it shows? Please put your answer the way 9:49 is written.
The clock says 11:39
